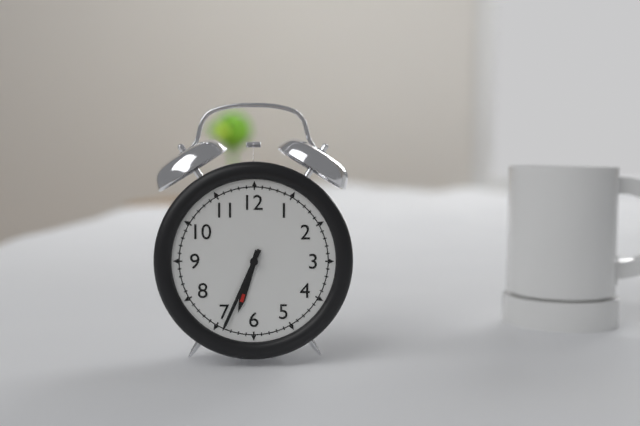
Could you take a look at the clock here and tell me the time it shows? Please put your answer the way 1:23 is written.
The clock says 6:34
